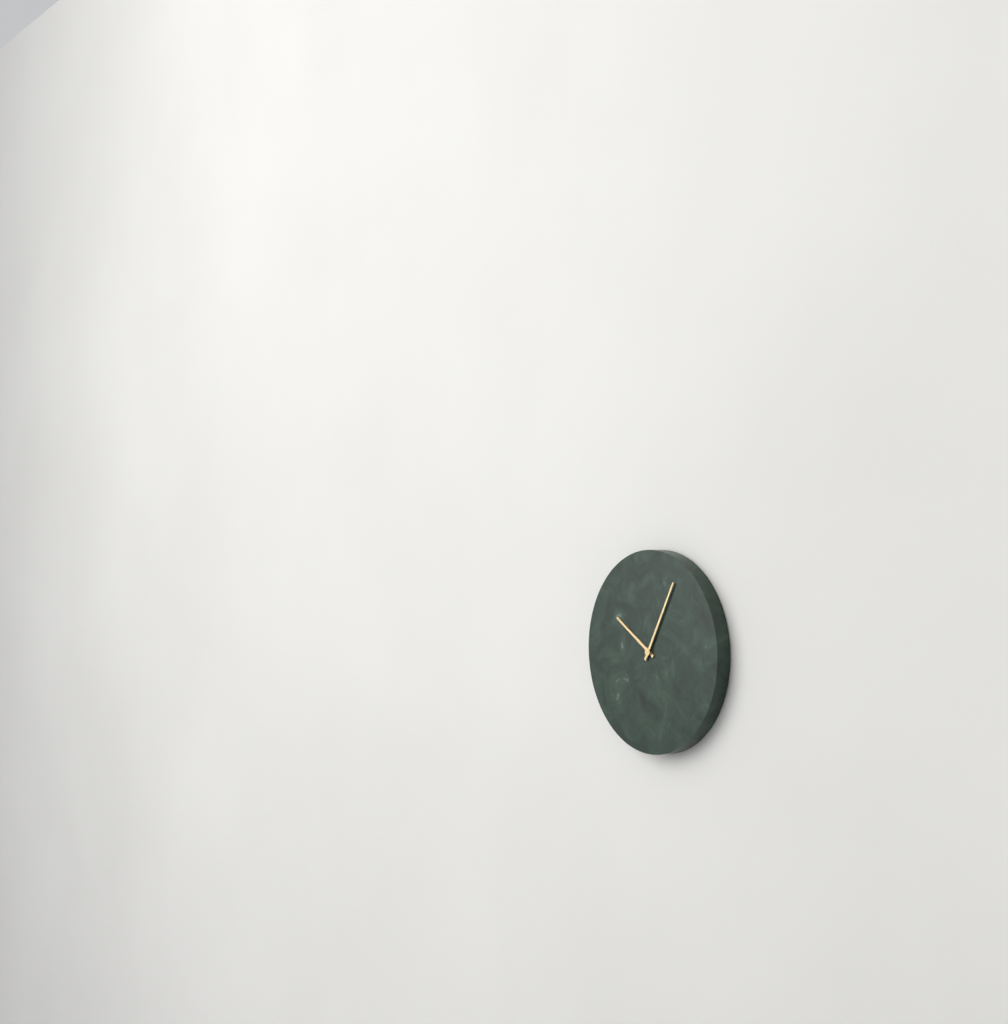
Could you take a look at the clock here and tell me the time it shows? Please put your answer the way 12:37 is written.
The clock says 10:05
